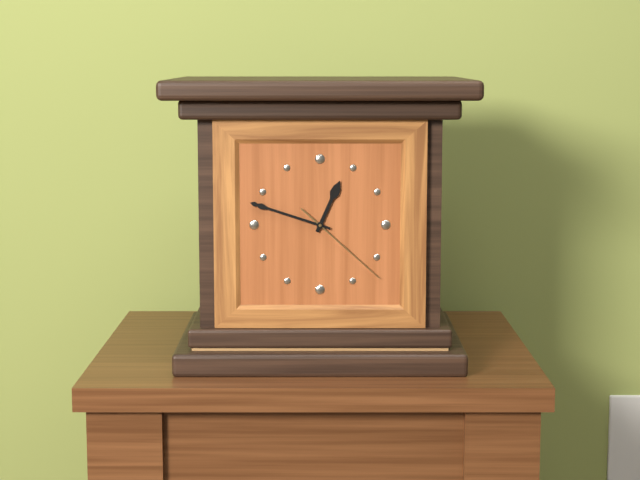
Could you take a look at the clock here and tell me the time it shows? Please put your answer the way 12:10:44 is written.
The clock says 12:48:22
